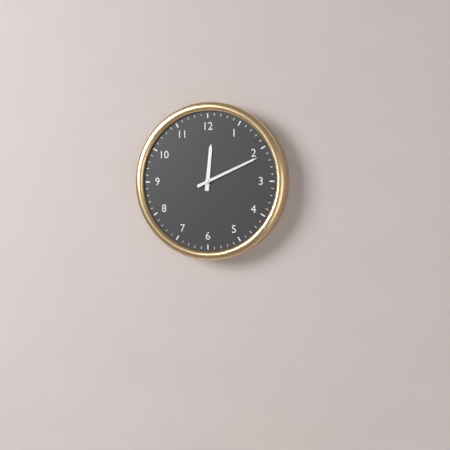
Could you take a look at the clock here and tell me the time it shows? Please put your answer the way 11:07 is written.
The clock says 12:11
